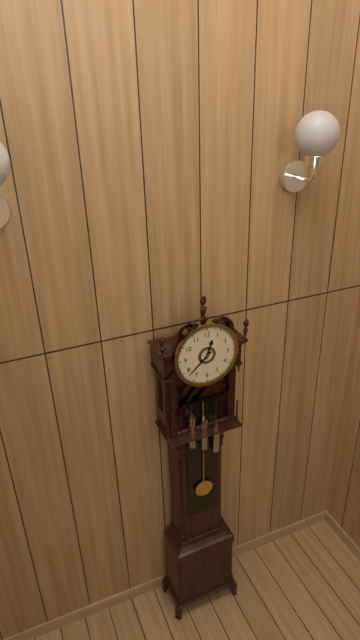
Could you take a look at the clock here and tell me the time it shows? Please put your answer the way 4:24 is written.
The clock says 12:38
